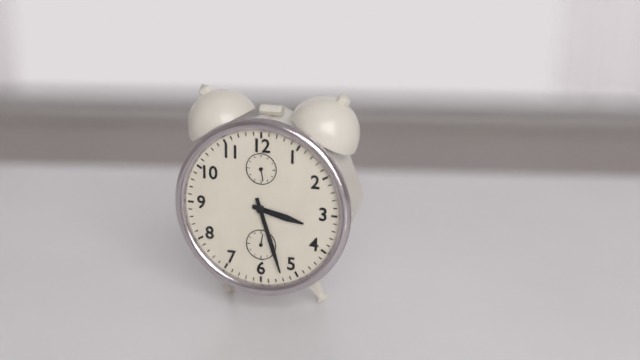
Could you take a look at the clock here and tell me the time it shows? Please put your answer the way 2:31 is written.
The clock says 3:27
